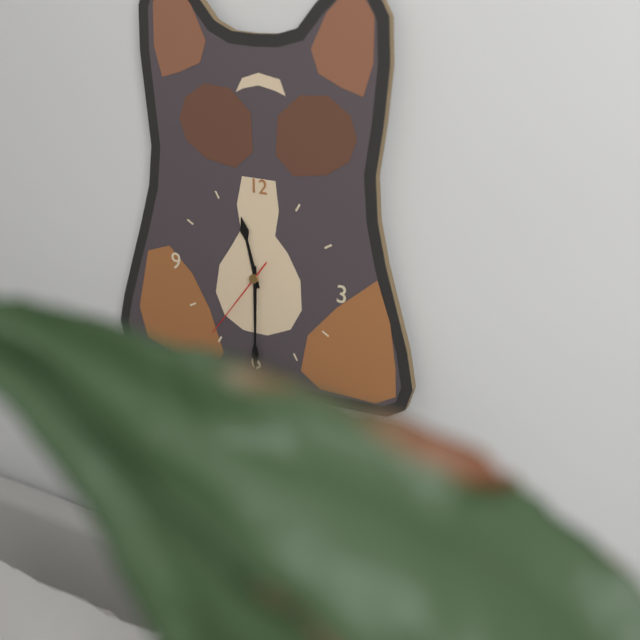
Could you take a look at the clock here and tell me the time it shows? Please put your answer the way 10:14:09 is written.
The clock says 11:30:36
